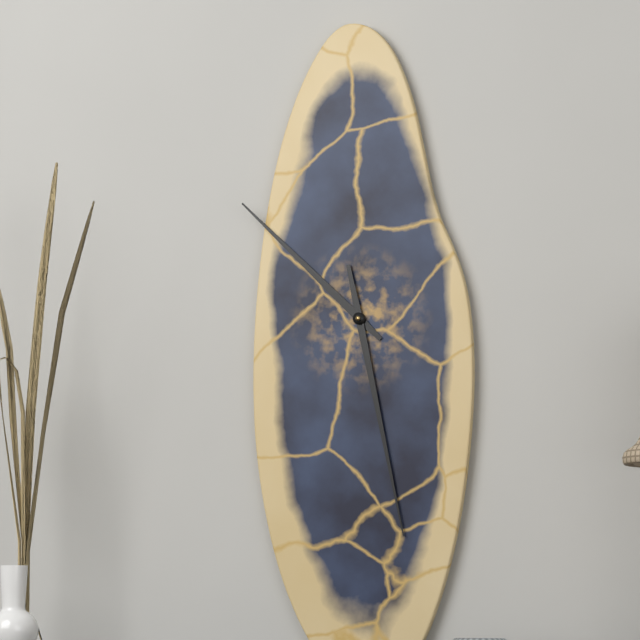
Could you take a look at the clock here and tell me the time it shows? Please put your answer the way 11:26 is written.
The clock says 10:28
